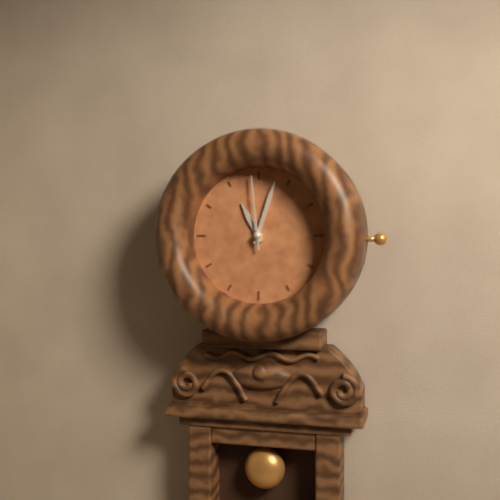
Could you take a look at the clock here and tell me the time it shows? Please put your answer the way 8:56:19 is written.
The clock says 11:03:59
